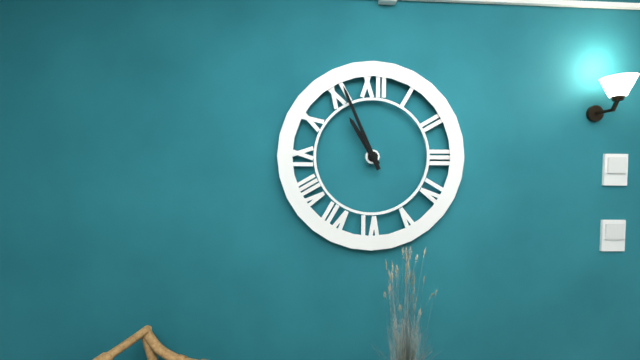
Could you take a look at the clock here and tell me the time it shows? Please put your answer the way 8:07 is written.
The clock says 10:56
